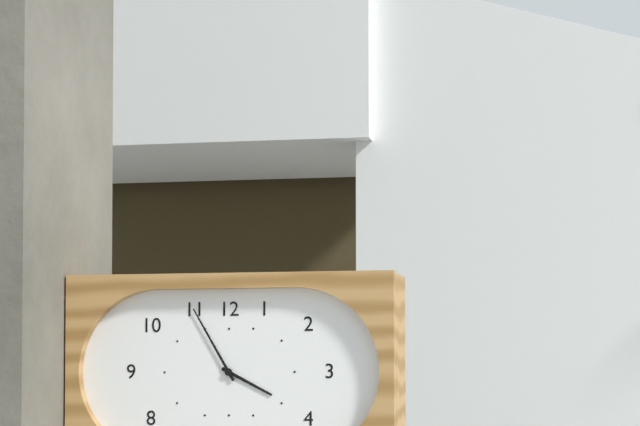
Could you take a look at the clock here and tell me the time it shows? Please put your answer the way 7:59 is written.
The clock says 3:55
